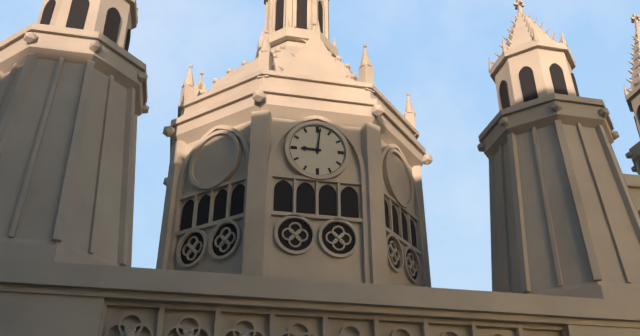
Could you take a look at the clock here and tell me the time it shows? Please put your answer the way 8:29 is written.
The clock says 9:01
